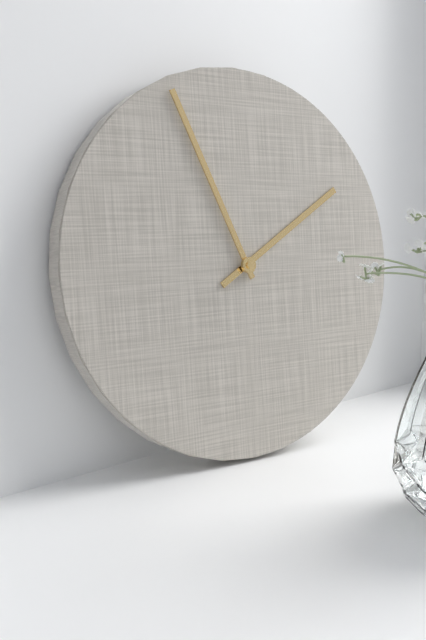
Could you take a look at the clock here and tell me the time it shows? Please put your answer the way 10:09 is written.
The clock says 1:56
